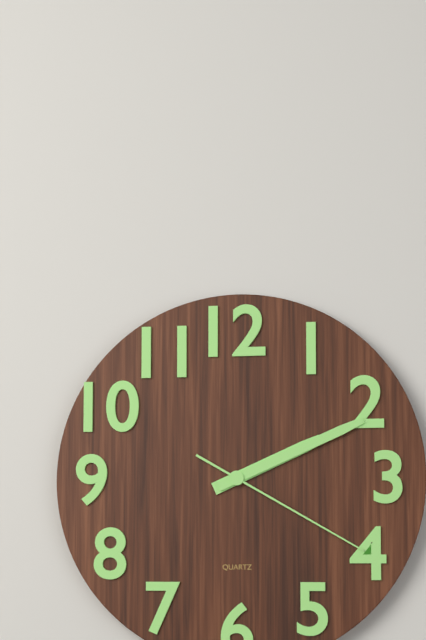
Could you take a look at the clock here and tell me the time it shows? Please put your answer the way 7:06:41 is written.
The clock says 2:11:20
